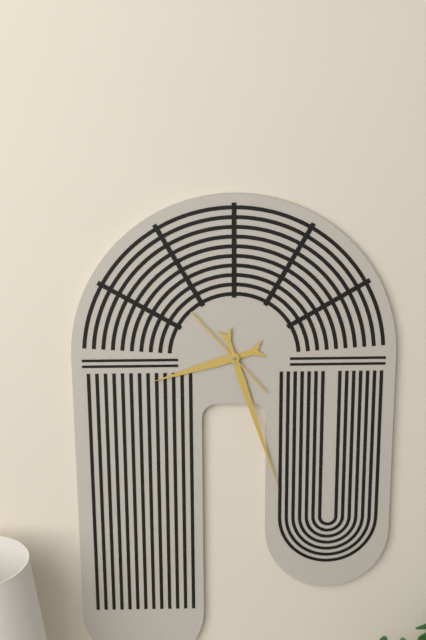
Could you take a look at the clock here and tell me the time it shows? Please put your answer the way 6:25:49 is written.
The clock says 8:27:53
